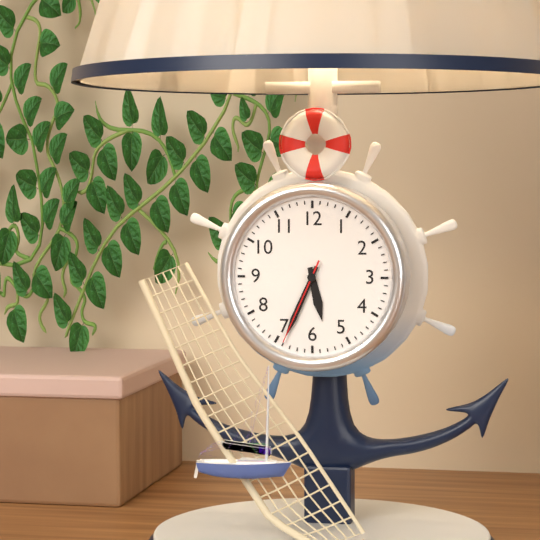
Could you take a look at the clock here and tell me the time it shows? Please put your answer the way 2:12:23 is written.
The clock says 5:34:34
